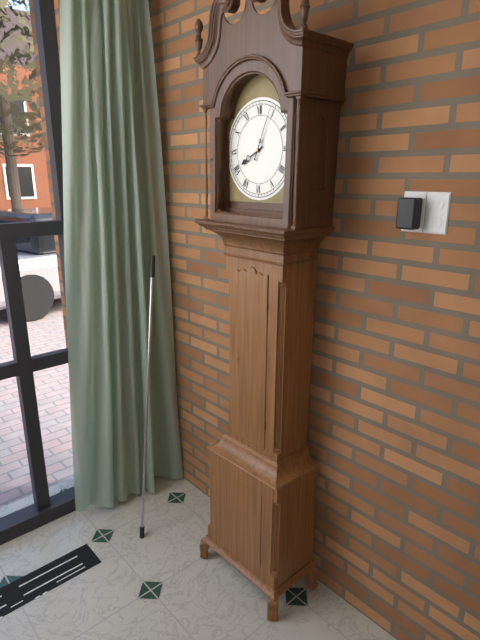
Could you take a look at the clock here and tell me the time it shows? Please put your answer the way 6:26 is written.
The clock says 8:04
